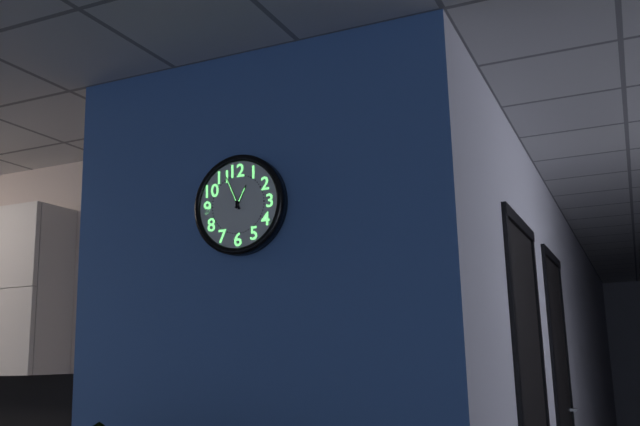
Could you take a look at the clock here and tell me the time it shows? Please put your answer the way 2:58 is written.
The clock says 12:56
